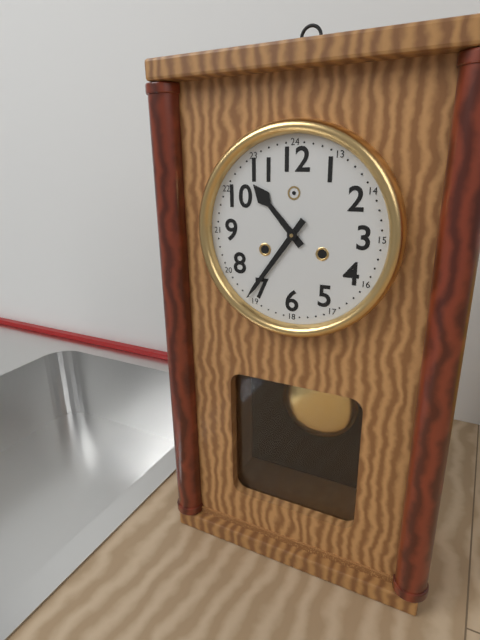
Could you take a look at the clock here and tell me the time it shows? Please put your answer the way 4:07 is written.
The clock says 10:36
